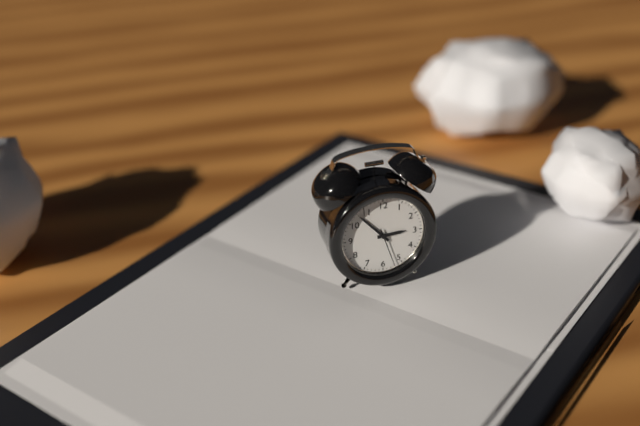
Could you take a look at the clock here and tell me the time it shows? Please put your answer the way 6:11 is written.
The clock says 2:53
